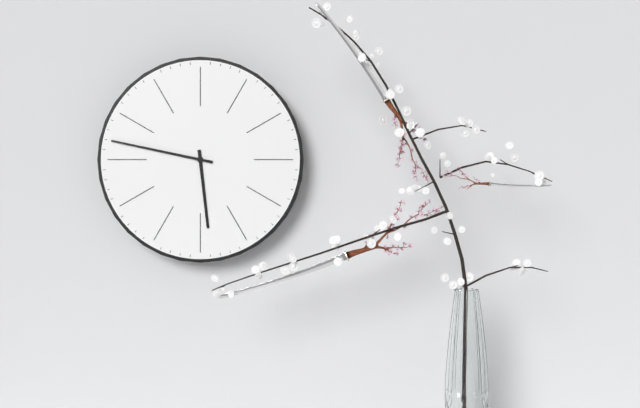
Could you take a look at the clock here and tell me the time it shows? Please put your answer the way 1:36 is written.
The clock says 5:47
